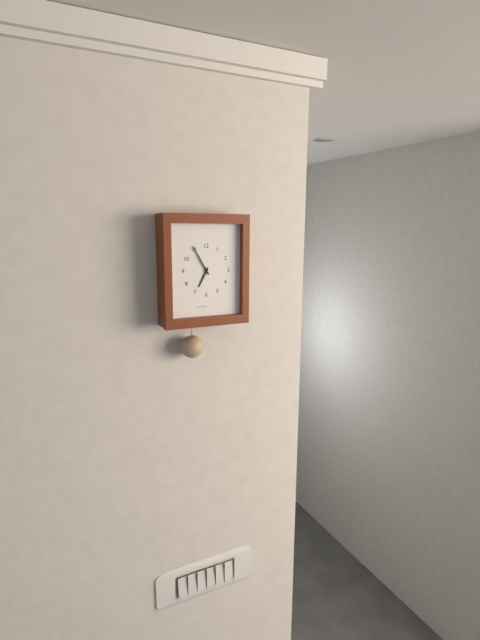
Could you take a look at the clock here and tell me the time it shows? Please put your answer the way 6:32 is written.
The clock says 6:55
